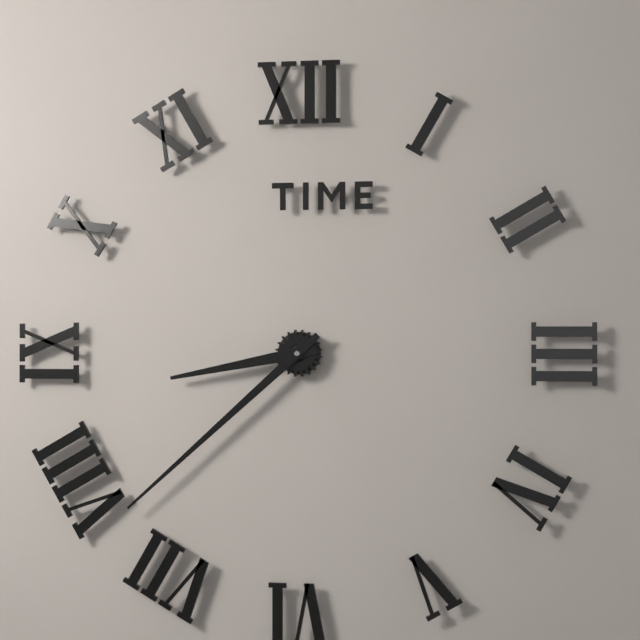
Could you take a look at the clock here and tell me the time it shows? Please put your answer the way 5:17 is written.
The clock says 8:38
